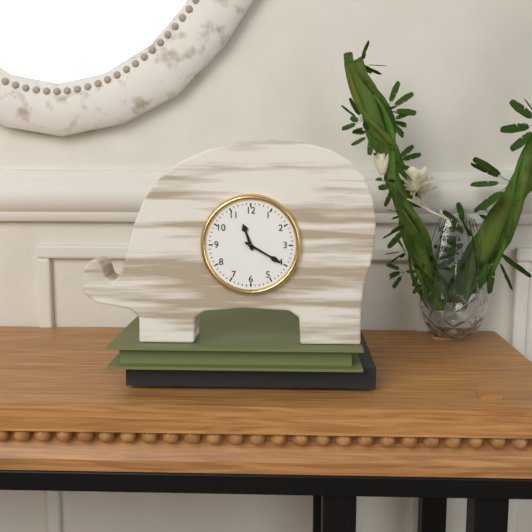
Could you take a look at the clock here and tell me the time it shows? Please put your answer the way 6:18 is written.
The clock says 11:20
